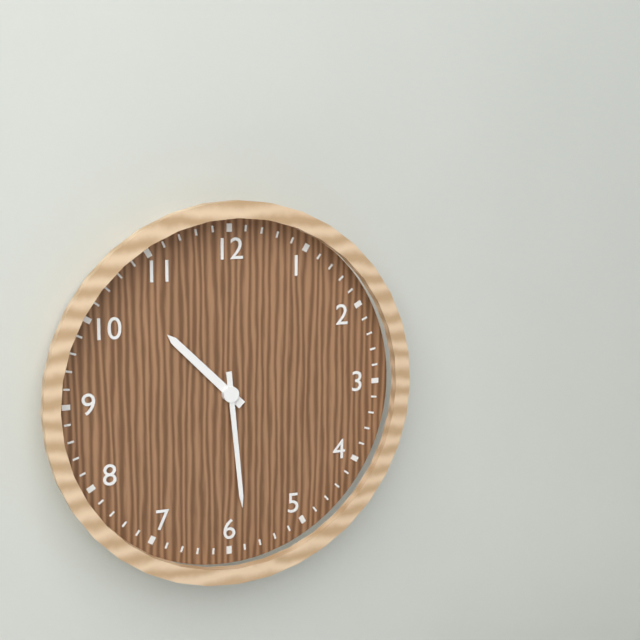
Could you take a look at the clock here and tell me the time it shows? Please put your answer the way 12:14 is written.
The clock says 10:29
